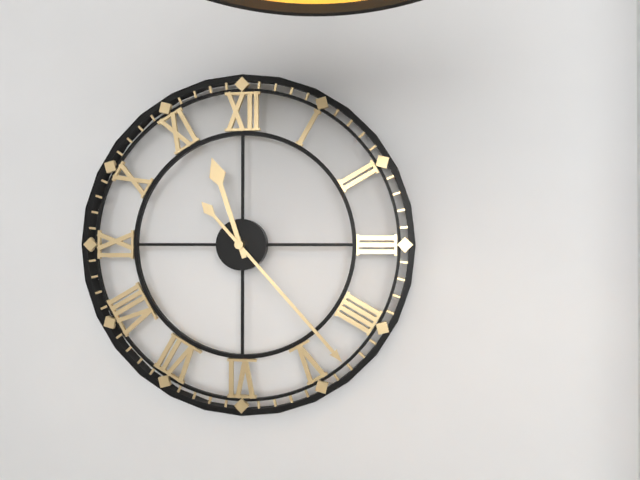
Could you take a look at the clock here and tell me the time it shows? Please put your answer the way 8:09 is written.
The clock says 11:23
